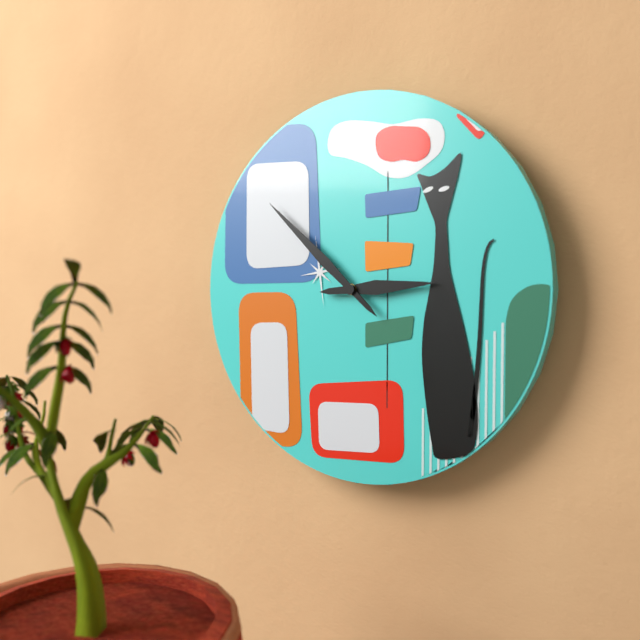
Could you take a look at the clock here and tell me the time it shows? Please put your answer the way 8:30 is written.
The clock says 2:52
